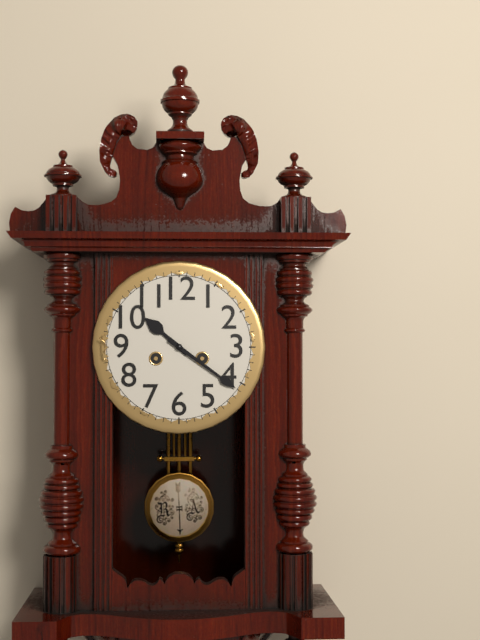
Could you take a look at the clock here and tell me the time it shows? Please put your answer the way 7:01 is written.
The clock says 10:21
